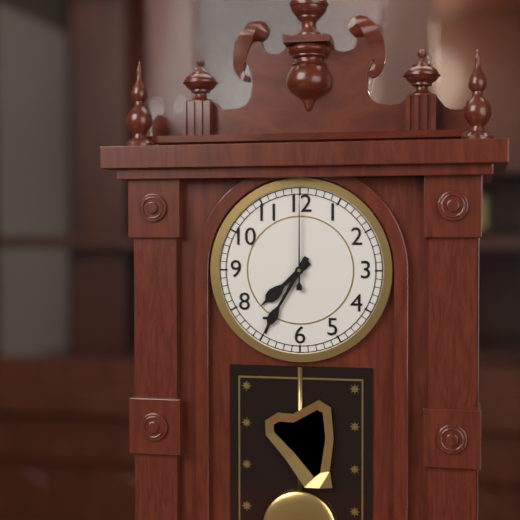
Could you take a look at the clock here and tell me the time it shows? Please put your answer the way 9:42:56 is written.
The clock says 7:35:00
